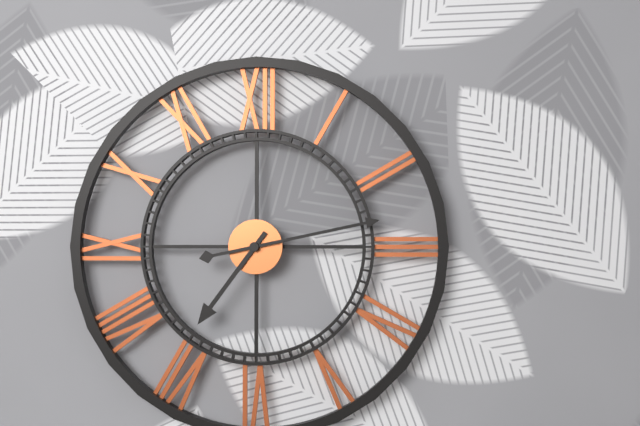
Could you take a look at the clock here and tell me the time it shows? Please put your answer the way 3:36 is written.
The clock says 7:13
